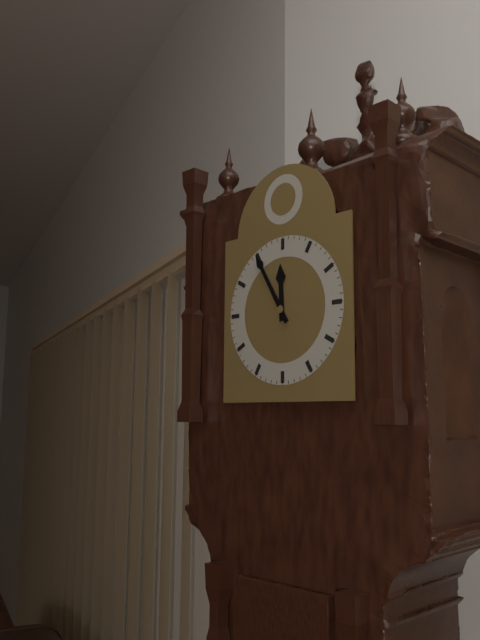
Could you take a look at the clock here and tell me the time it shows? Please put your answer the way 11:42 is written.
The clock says 11:55
